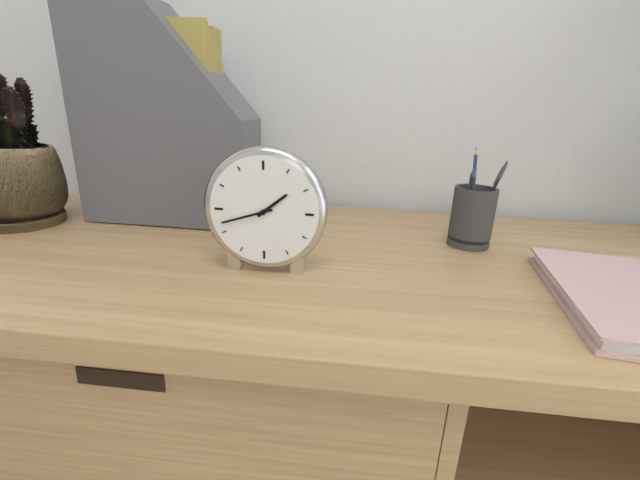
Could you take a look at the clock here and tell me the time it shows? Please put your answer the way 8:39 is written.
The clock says 1:42
